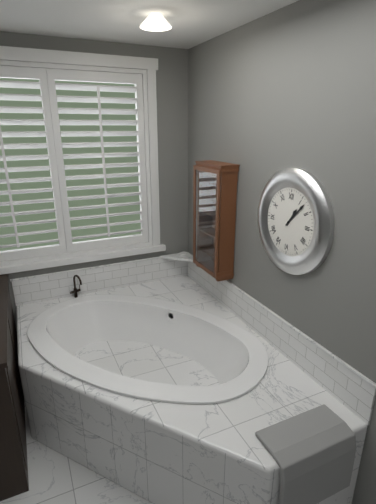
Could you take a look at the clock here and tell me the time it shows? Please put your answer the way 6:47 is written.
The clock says 1:07
